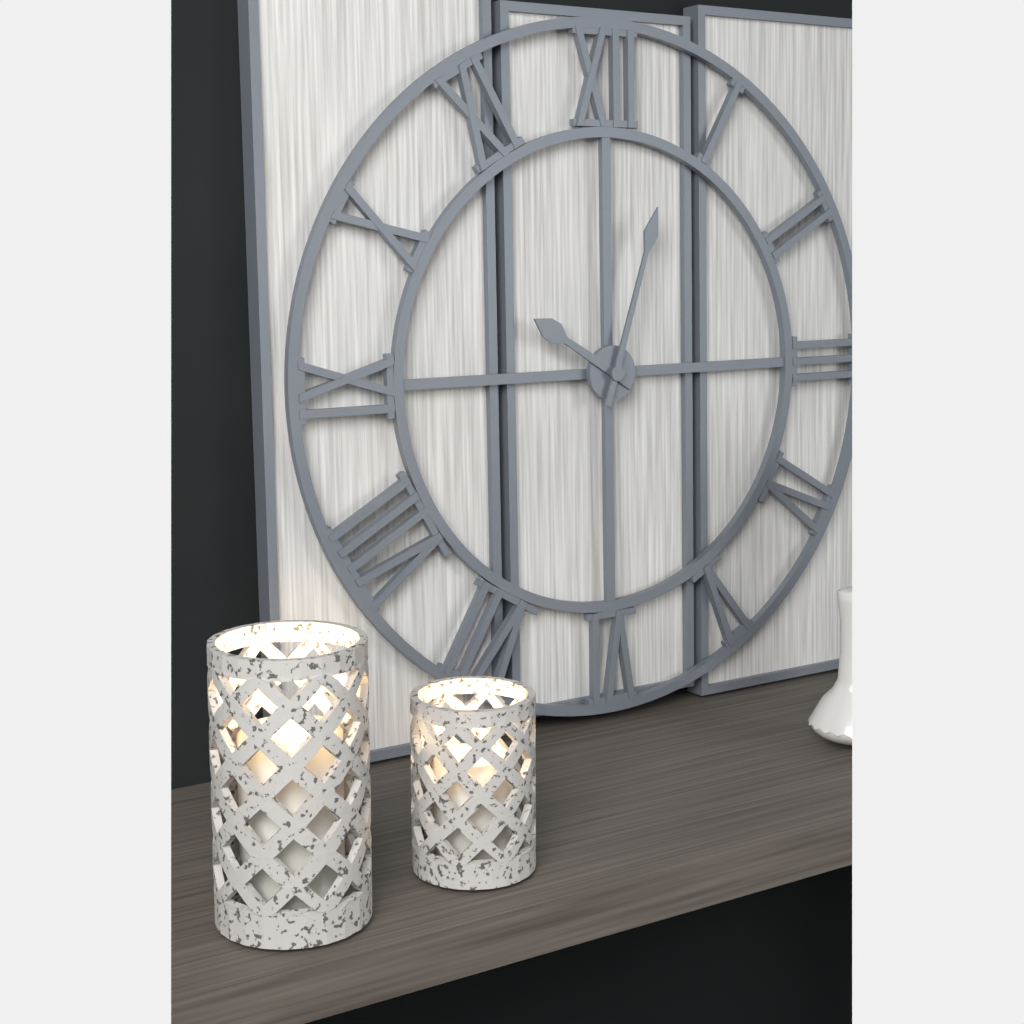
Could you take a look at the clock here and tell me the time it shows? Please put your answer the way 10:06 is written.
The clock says 10:03
